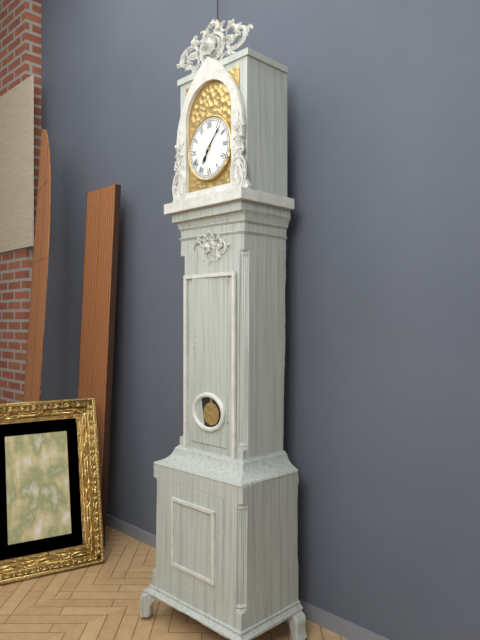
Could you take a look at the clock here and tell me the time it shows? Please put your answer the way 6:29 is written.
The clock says 7:07
